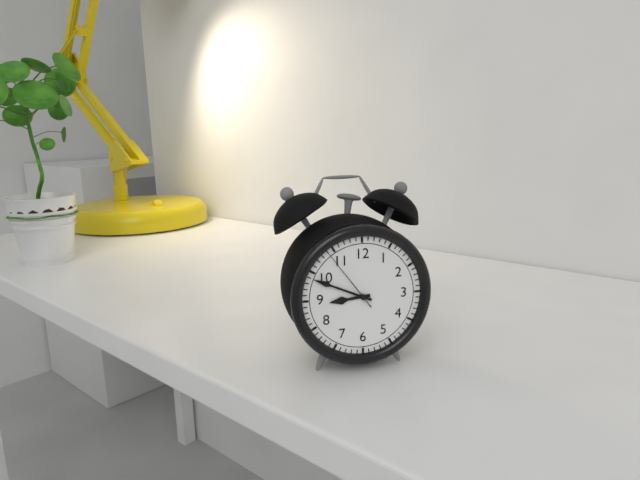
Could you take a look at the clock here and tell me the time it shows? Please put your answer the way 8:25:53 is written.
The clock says 8:49:54
